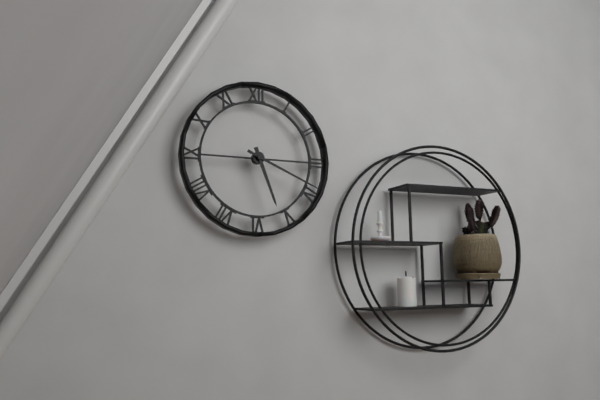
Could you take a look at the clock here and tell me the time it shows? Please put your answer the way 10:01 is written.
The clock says 5:19
